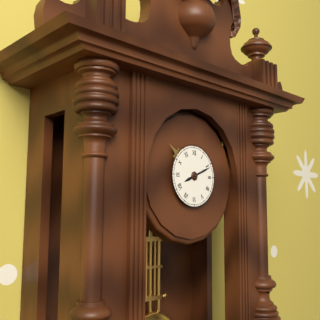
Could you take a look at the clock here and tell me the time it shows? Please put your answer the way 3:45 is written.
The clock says 8:11
